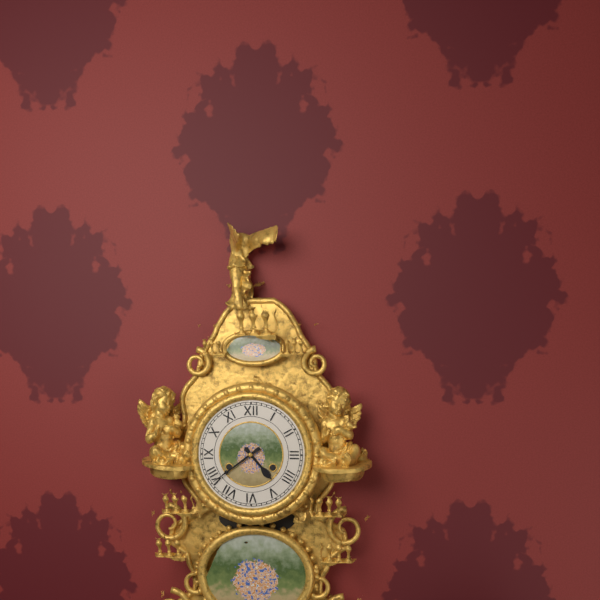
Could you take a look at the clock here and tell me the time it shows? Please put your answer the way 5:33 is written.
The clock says 4:39
